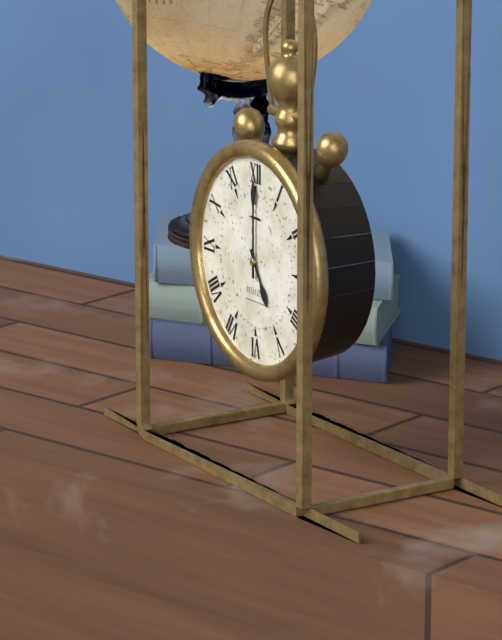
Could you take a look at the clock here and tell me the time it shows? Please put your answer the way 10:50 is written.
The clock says 5:00
